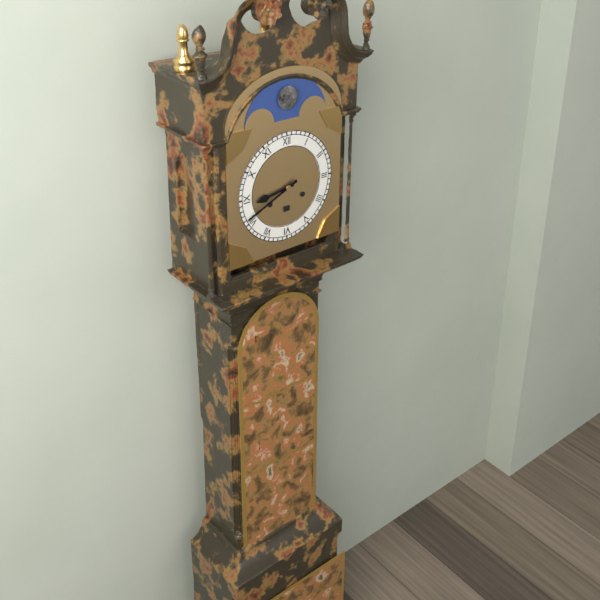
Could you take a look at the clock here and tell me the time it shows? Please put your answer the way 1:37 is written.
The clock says 8:41
